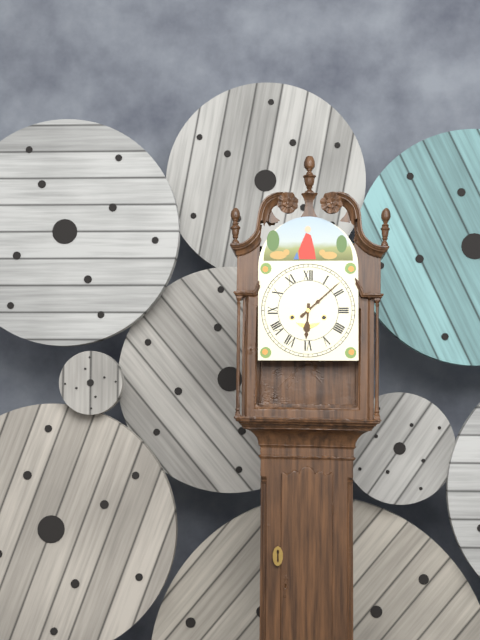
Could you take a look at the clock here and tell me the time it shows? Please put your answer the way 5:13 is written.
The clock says 6:08
